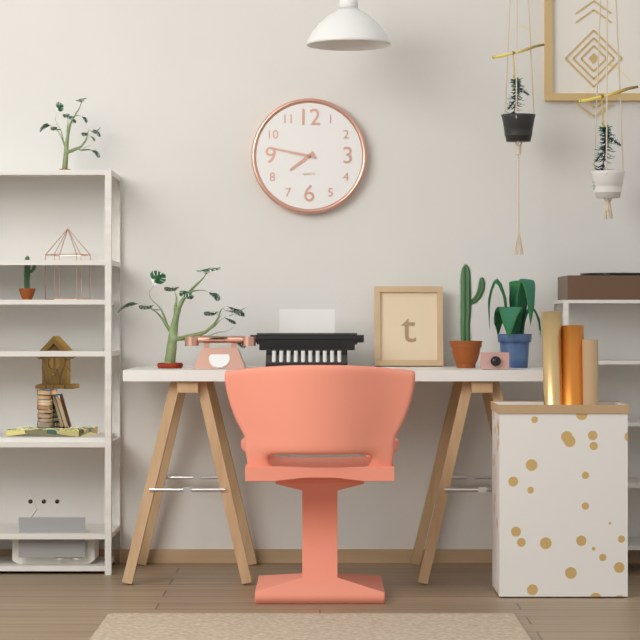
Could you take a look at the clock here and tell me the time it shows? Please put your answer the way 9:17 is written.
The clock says 7:47
